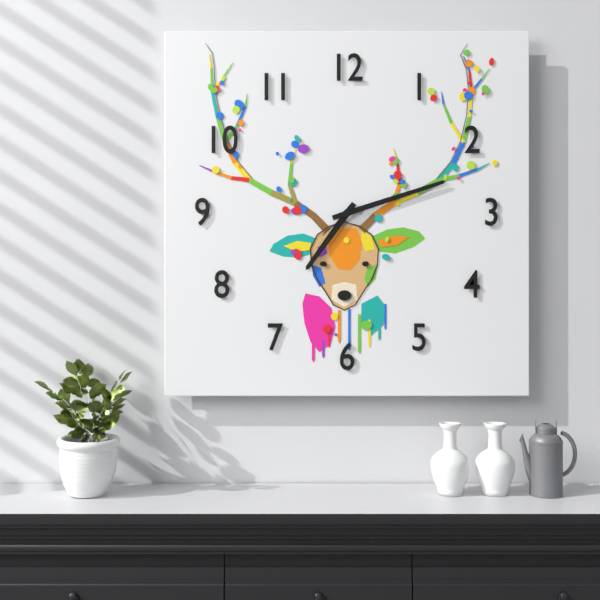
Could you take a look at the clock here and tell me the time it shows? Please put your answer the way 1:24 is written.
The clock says 7:12
